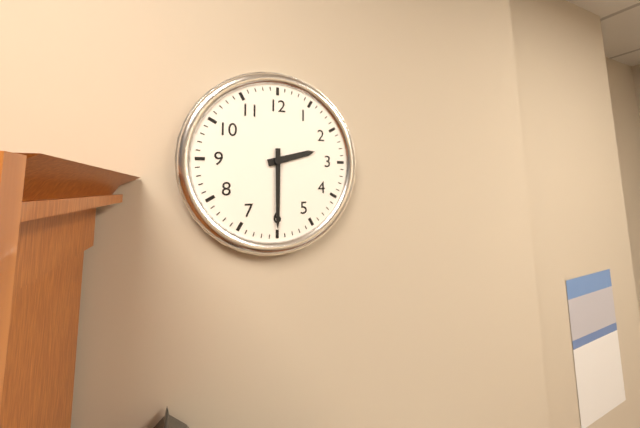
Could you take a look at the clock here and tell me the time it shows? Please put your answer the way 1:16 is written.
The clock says 2:30
